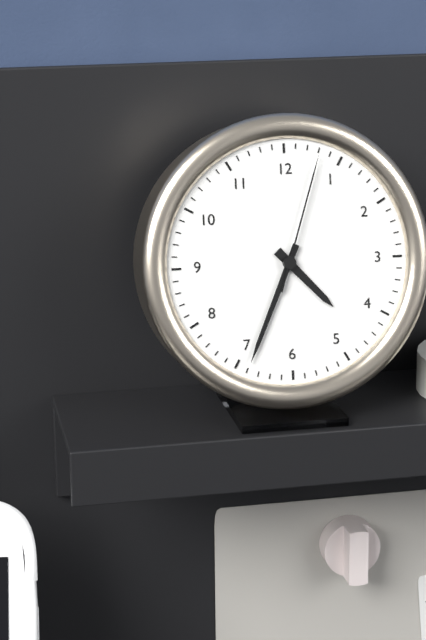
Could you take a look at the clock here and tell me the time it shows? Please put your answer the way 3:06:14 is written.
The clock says 4:34:03
